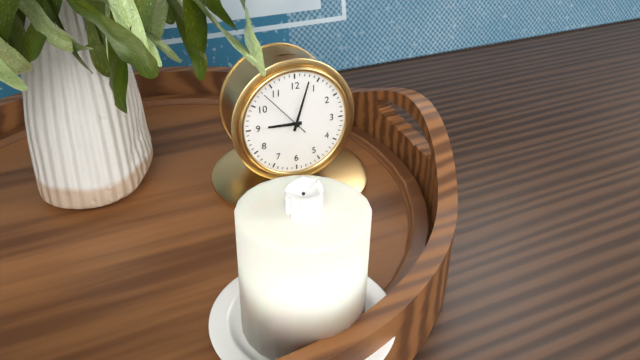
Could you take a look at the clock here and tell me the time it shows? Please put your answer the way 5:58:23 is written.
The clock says 9:03:53
